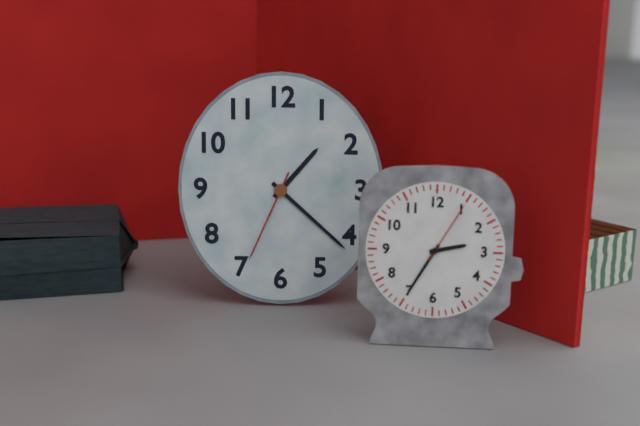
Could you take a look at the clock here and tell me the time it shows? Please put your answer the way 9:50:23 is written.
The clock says 1:22:34
